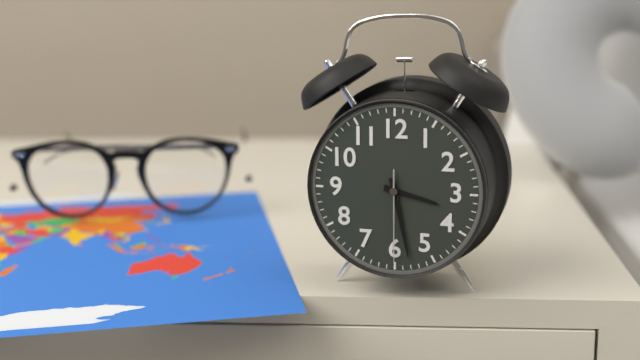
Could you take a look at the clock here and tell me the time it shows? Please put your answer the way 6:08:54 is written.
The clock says 3:28:30
